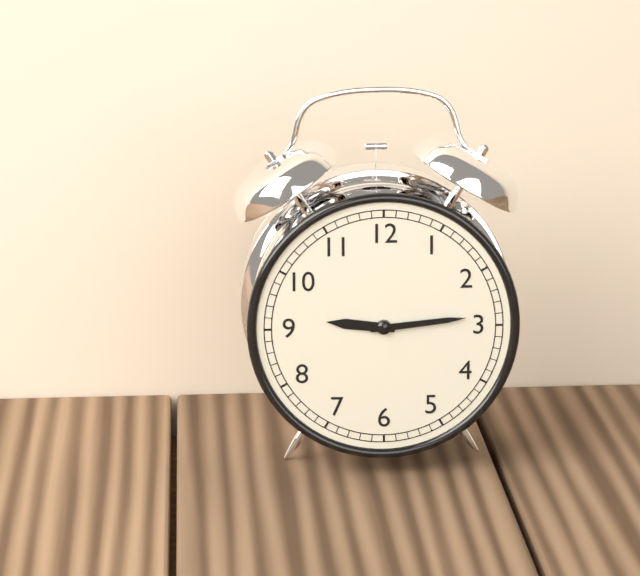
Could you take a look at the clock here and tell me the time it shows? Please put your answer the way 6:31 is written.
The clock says 9:14
